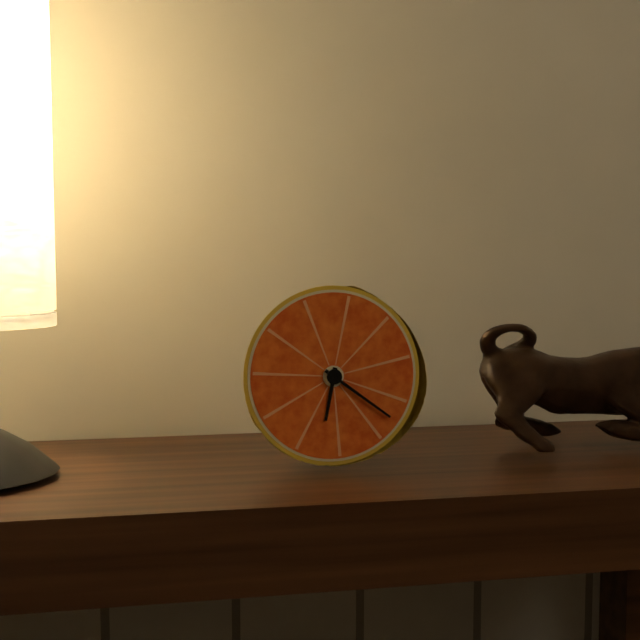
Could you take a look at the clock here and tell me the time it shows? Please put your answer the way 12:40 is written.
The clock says 6:21
